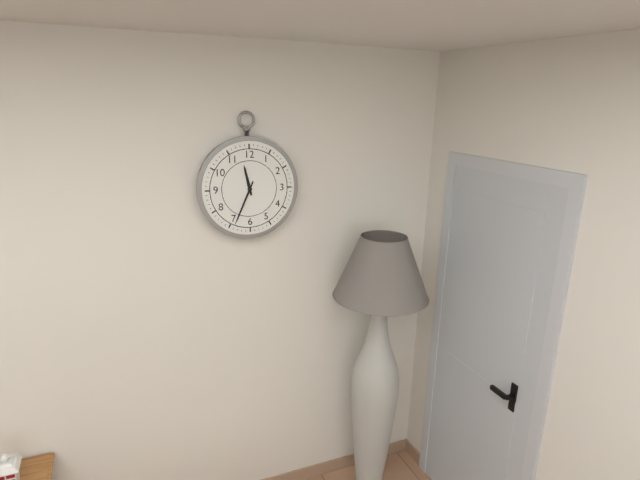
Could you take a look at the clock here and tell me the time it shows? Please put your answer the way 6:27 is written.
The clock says 11:34
